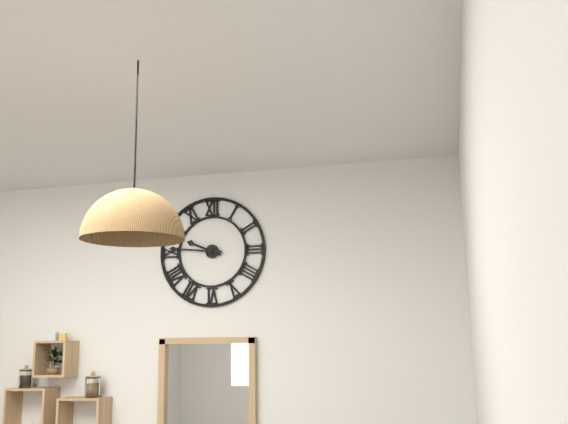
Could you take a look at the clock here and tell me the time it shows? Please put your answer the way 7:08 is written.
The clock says 9:46
